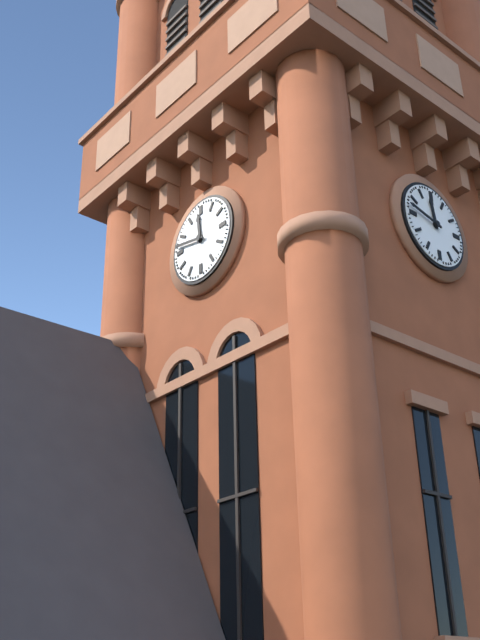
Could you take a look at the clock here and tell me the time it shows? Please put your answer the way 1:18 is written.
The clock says 11:47
